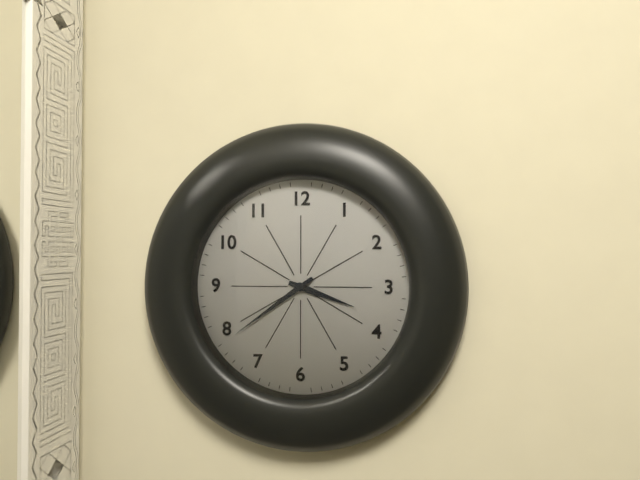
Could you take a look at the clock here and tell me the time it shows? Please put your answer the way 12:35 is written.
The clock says 3:39
